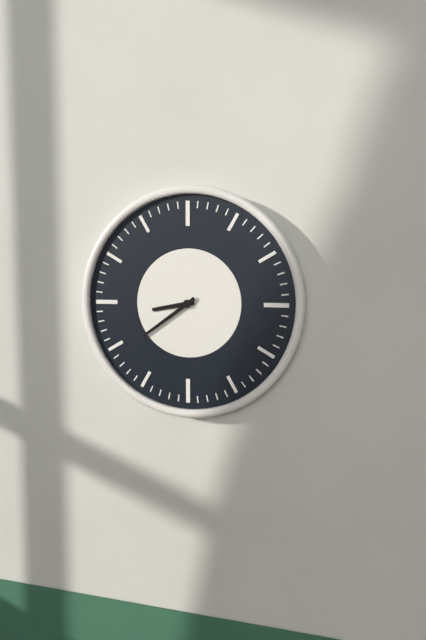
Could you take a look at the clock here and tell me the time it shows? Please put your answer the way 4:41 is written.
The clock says 8:39
